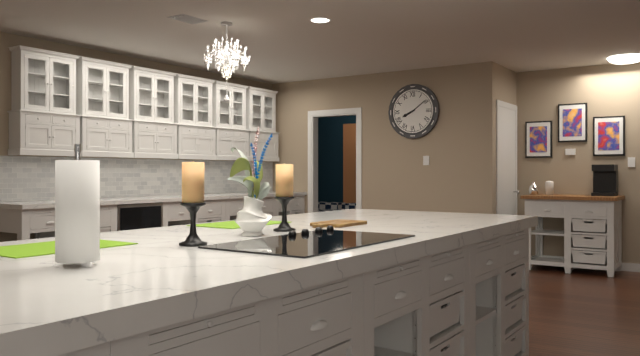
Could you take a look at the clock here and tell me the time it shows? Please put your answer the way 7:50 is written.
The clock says 8:09
